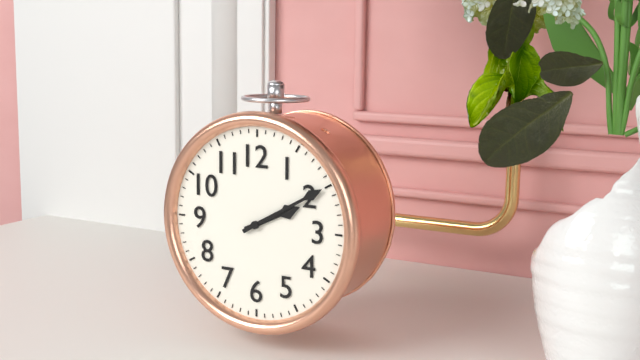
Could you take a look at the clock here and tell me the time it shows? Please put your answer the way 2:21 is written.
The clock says 2:10
